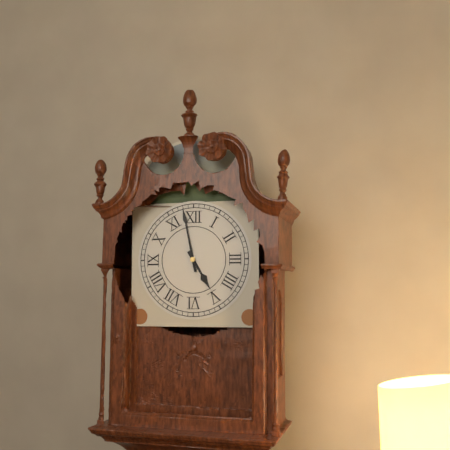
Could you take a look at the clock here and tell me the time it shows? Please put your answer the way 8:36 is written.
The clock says 4:58
